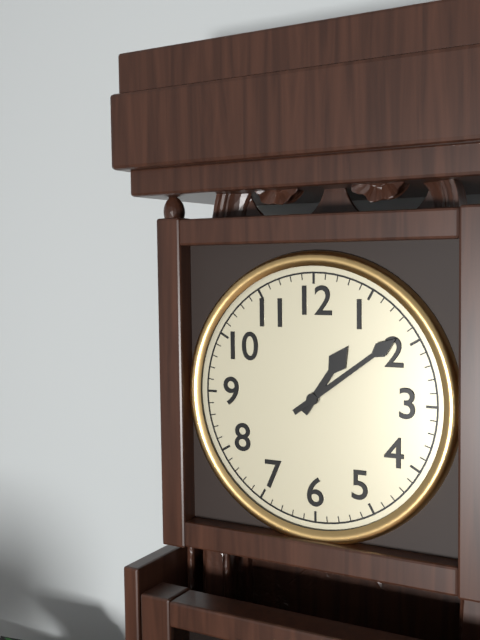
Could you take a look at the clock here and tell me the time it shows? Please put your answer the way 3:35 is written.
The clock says 1:09
